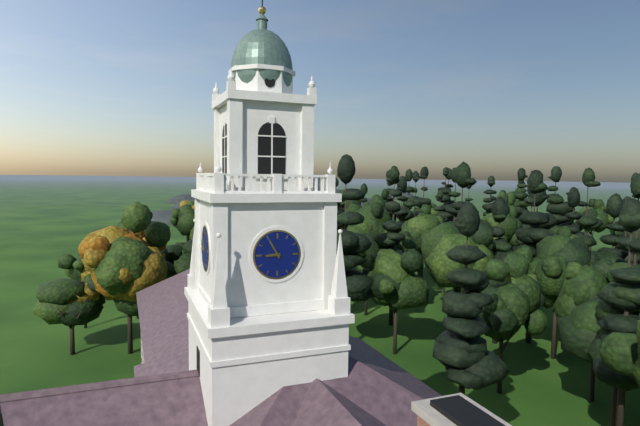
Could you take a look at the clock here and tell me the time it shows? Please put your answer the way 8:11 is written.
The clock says 8:55
